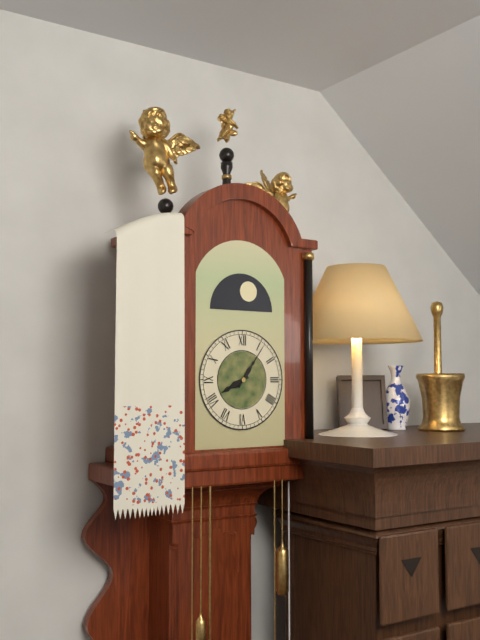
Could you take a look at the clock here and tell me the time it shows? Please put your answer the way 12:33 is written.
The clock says 8:06
